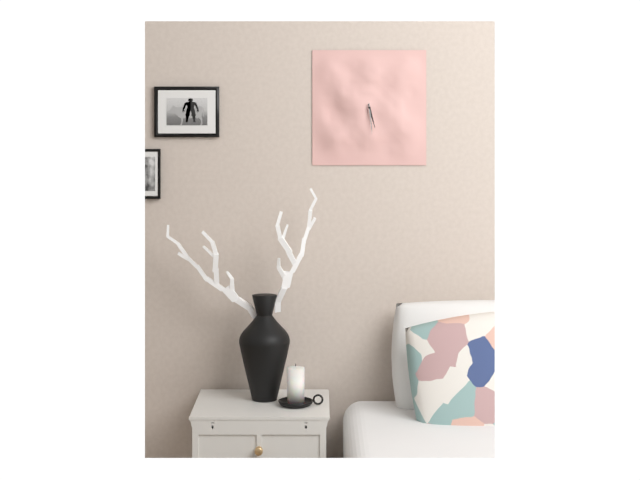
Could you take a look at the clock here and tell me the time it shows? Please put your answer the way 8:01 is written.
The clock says 5:29
